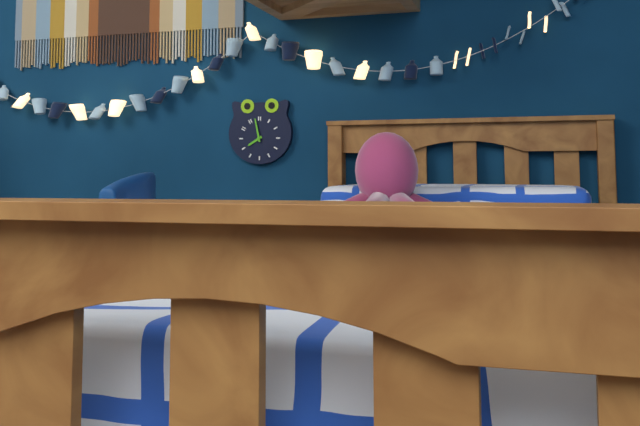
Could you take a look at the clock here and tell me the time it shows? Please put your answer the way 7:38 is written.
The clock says 7:58
